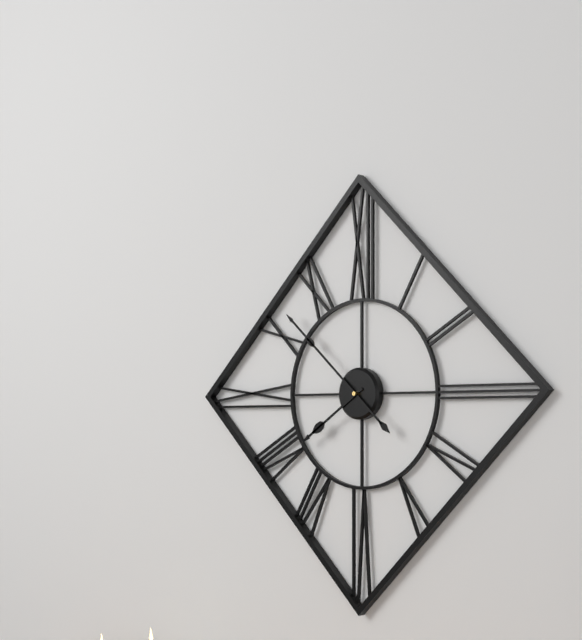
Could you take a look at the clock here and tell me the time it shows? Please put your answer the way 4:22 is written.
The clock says 7:52
